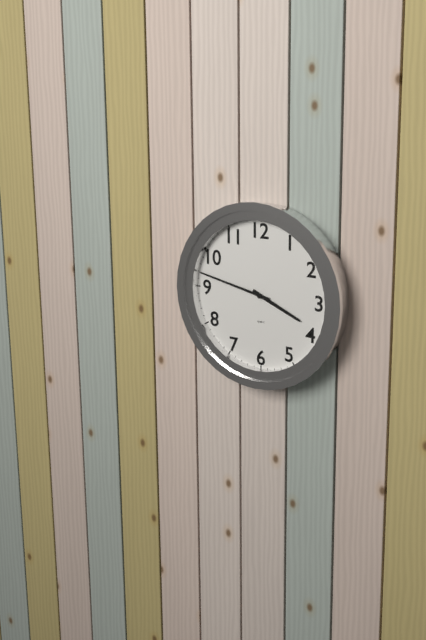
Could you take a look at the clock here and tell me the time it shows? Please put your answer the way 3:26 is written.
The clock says 3:47
